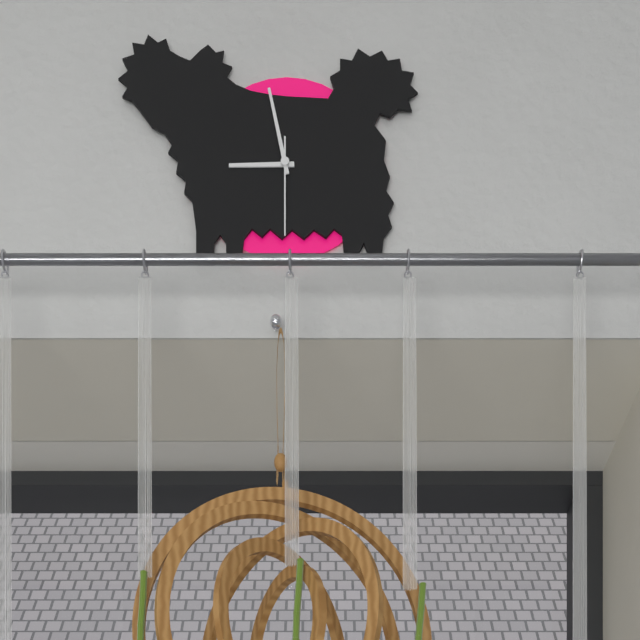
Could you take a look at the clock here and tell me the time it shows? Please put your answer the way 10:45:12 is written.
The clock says 8:58:30
